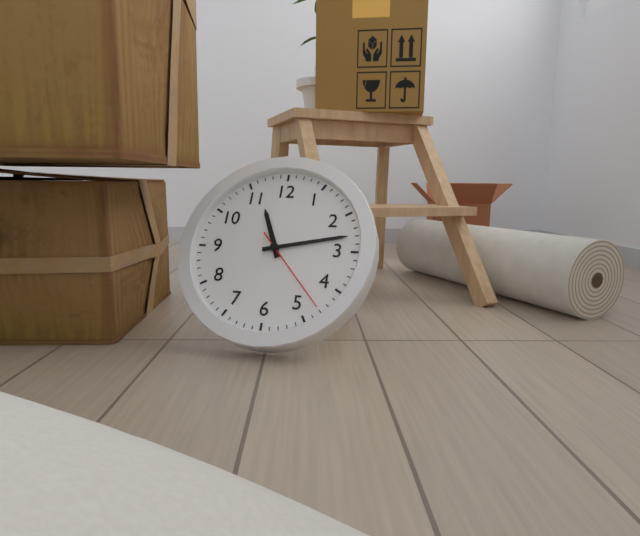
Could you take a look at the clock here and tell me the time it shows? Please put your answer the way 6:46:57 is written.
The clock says 11:13:23
